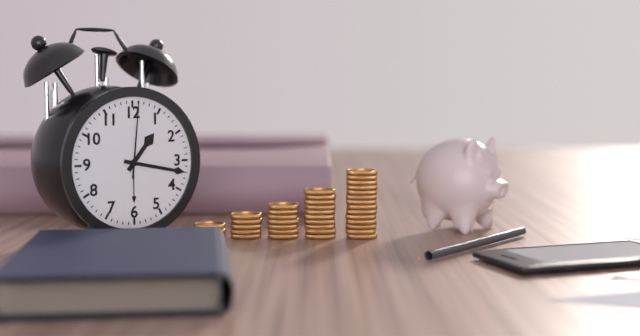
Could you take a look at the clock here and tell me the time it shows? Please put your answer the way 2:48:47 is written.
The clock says 1:17:01
